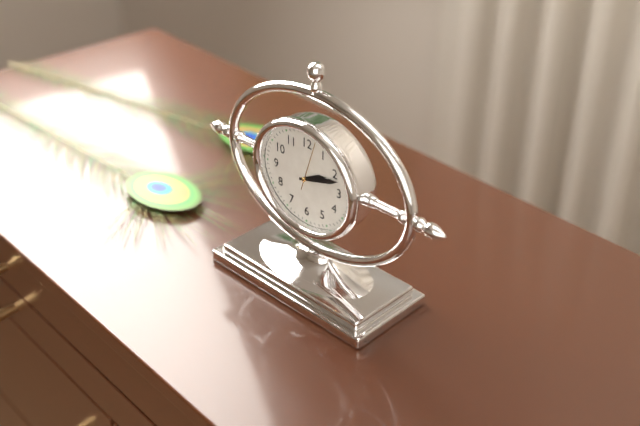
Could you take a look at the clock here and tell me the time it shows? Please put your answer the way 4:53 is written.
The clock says 2:12
